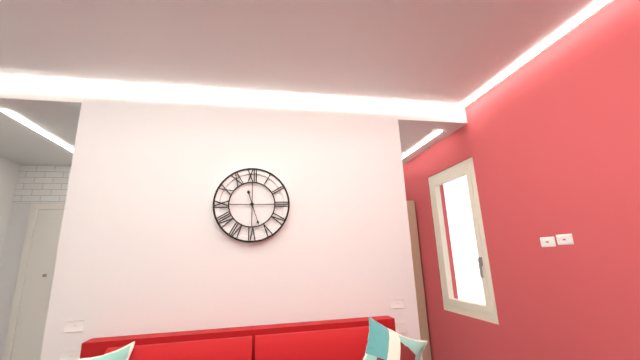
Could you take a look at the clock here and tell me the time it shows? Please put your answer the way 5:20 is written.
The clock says 11:27
